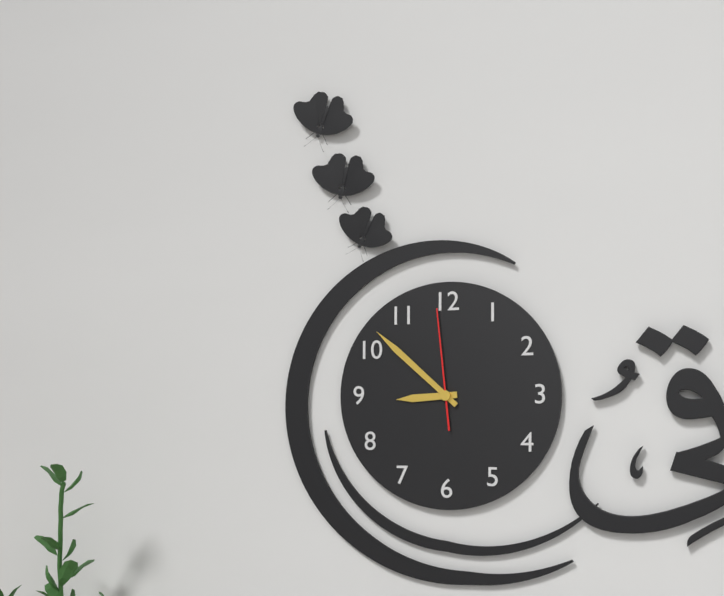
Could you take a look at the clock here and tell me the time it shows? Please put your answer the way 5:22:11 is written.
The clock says 8:52:59
